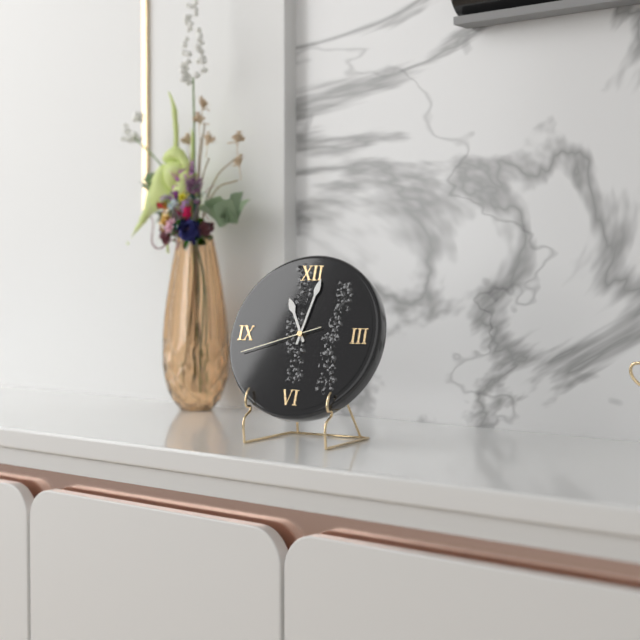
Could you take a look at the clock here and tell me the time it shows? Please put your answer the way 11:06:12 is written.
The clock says 11:02:42
